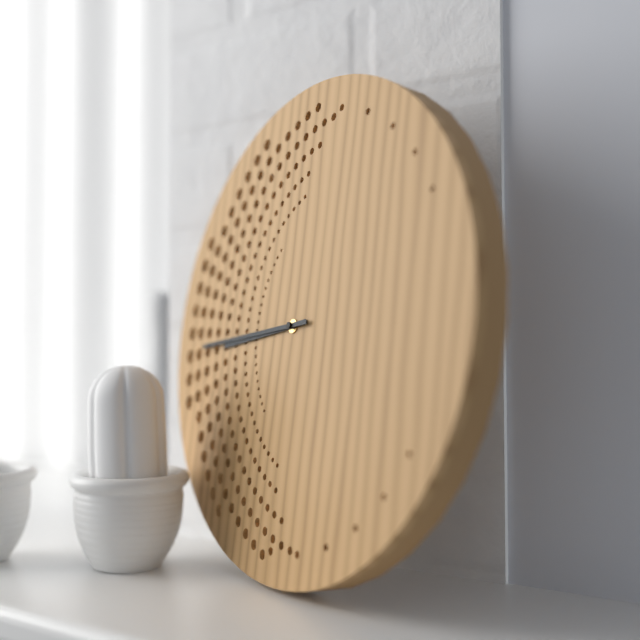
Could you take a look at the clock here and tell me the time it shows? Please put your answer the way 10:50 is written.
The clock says 8:44
